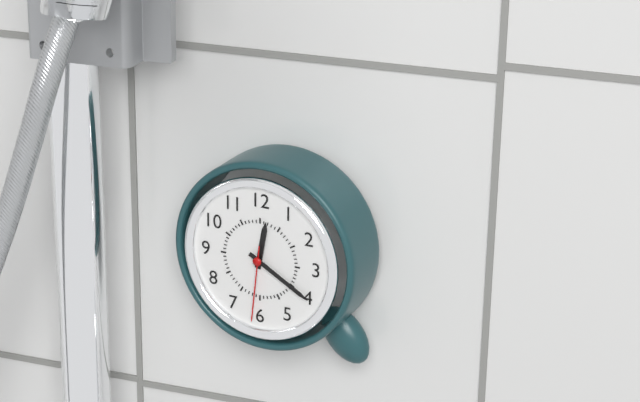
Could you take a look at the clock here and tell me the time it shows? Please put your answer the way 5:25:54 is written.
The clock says 12:20:31
